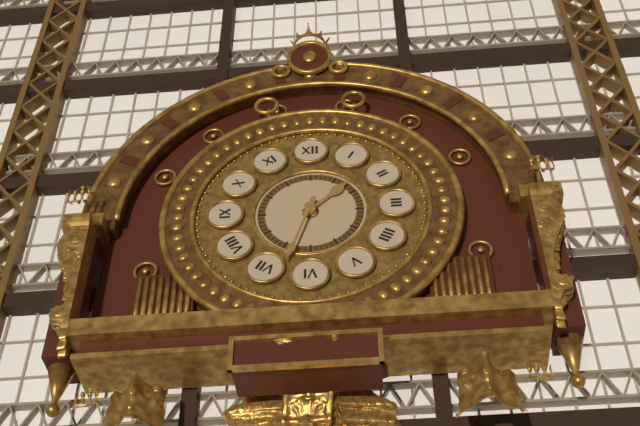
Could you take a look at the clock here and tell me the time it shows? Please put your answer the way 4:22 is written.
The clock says 1:33
